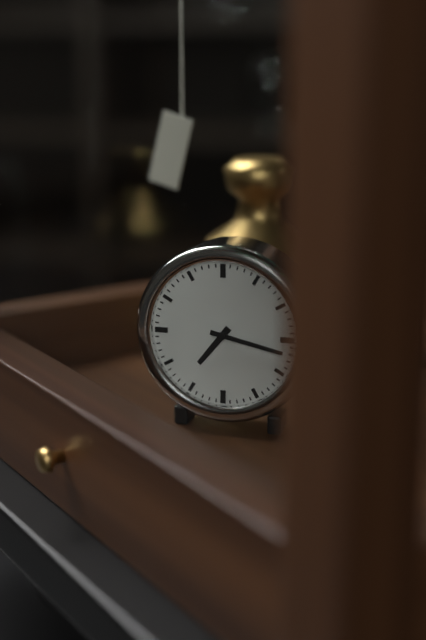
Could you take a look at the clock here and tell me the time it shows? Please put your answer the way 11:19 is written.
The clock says 7:17
